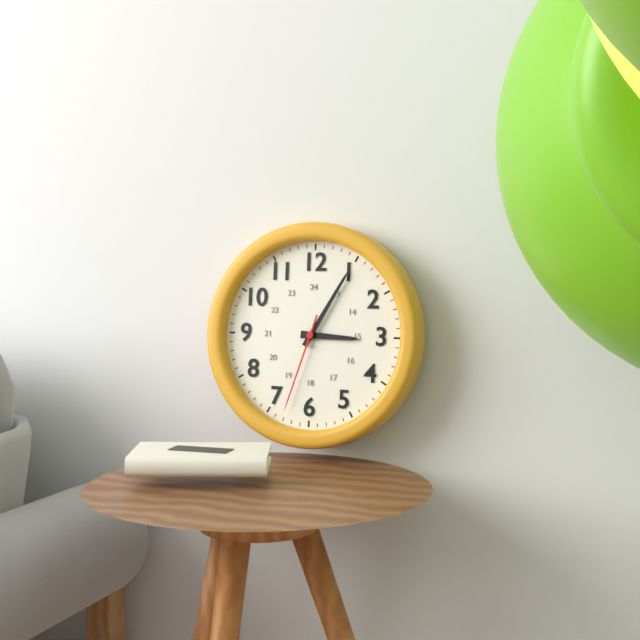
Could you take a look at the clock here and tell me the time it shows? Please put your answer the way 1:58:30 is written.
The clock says 3:05:33
